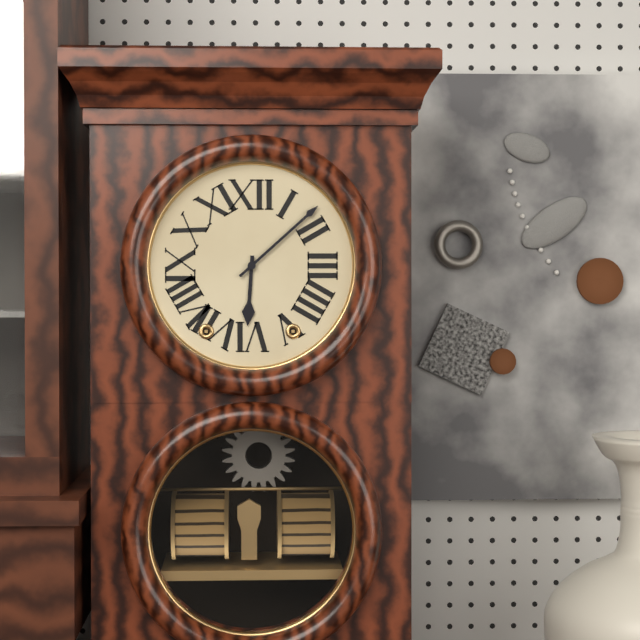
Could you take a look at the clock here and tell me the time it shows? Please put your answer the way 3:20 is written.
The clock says 6:08
